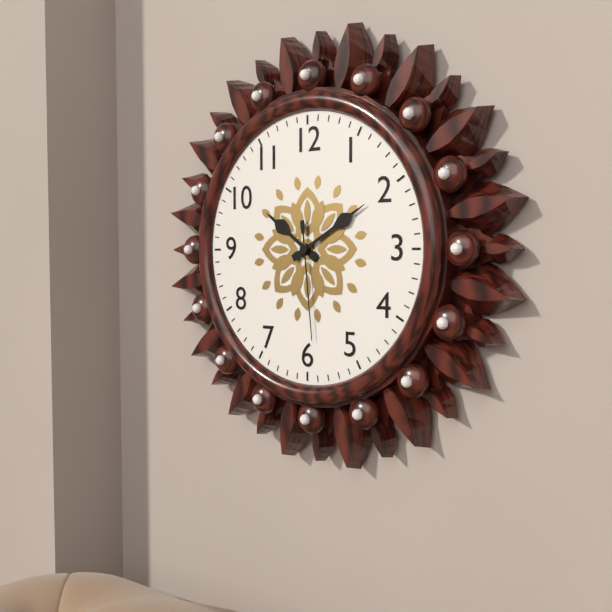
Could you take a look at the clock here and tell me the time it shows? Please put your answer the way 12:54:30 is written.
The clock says 10:10:29
